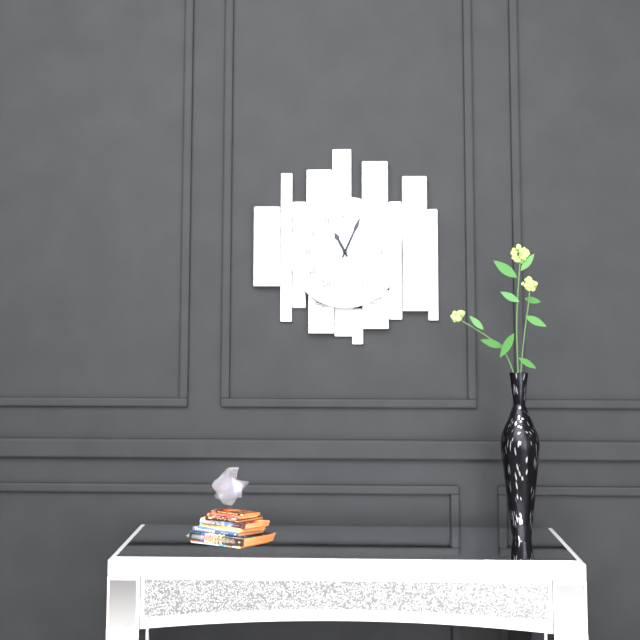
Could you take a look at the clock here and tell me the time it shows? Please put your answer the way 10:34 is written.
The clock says 11:04
